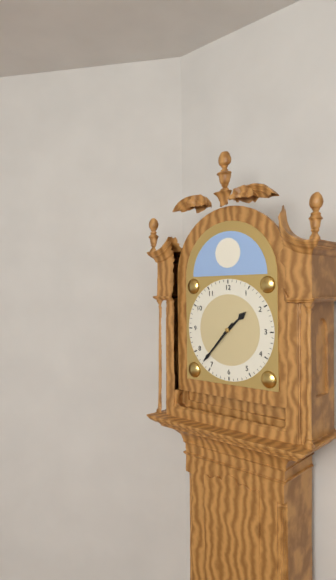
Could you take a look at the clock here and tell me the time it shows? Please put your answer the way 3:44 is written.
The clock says 1:37
